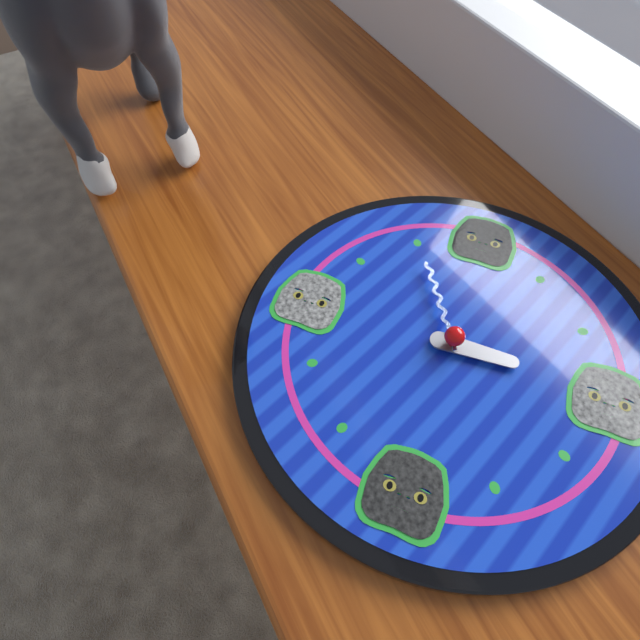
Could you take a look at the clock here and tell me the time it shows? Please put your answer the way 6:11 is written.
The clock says 2:55
